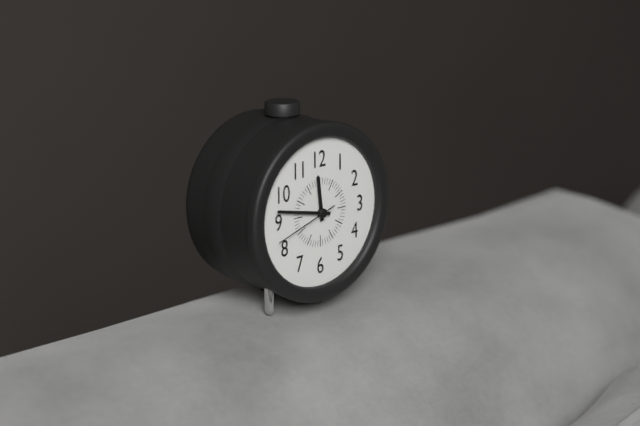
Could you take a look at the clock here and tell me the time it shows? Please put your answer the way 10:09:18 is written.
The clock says 11:47:42
